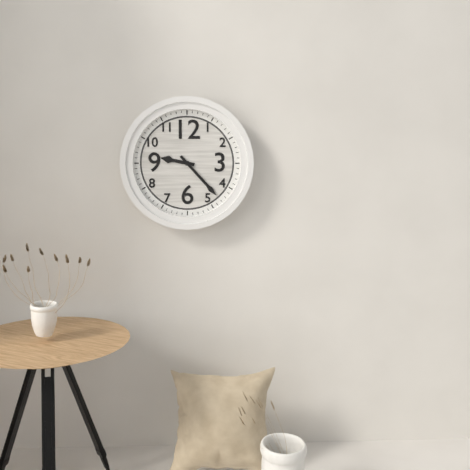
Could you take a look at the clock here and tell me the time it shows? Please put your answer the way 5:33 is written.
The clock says 9:23
